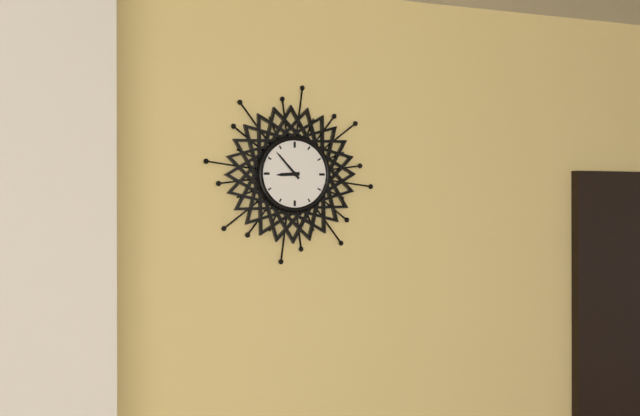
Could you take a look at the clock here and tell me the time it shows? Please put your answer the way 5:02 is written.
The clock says 8:53
